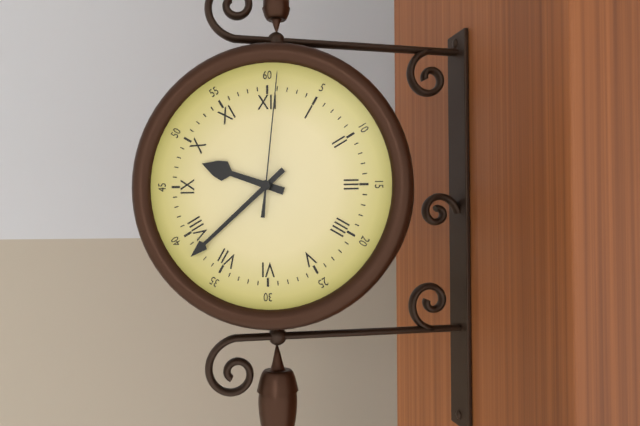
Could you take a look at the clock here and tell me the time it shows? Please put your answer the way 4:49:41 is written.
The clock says 9:38:01
